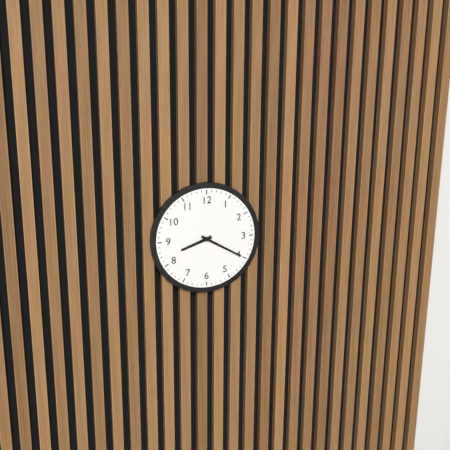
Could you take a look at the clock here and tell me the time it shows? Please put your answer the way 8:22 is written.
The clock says 8:20
